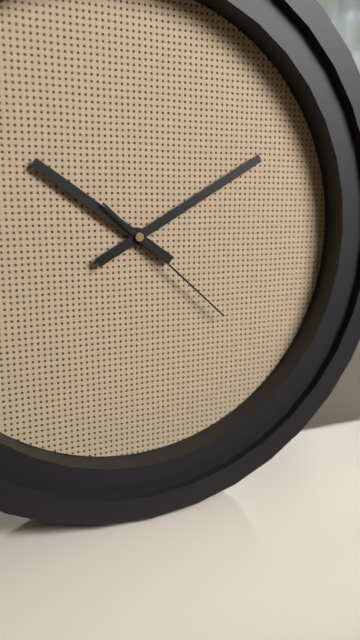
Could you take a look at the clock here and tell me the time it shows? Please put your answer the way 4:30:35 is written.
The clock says 10:10:22
